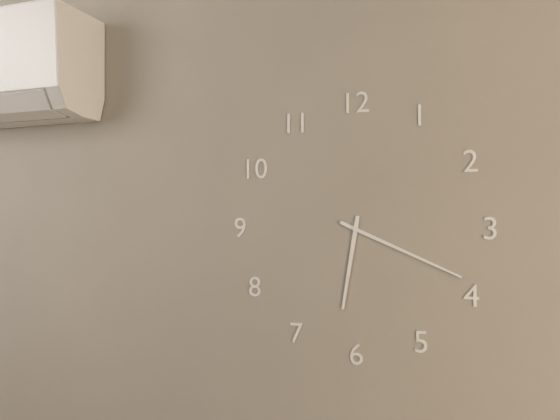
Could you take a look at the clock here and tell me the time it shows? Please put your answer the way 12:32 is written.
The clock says 6:19
